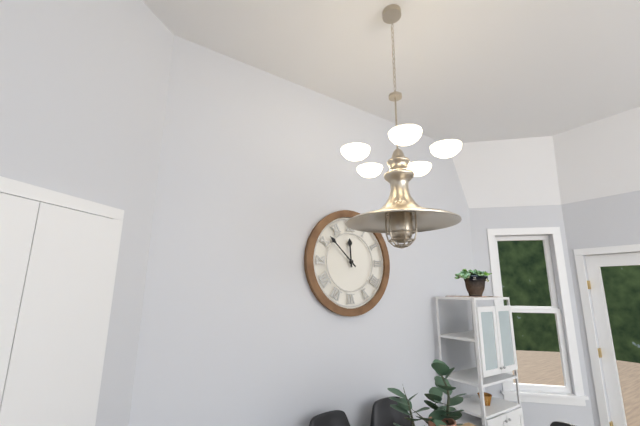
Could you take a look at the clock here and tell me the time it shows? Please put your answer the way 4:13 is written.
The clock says 11:52
